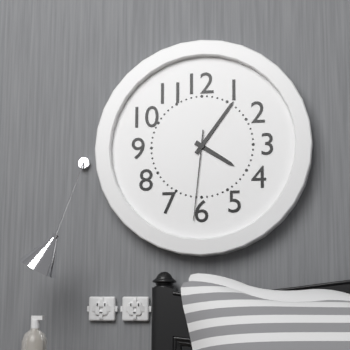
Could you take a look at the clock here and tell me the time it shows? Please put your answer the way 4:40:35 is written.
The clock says 4:06:31
